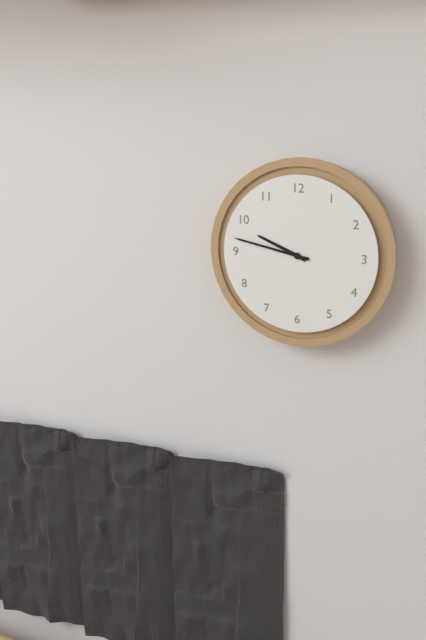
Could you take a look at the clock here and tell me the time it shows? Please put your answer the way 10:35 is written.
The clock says 9:47
